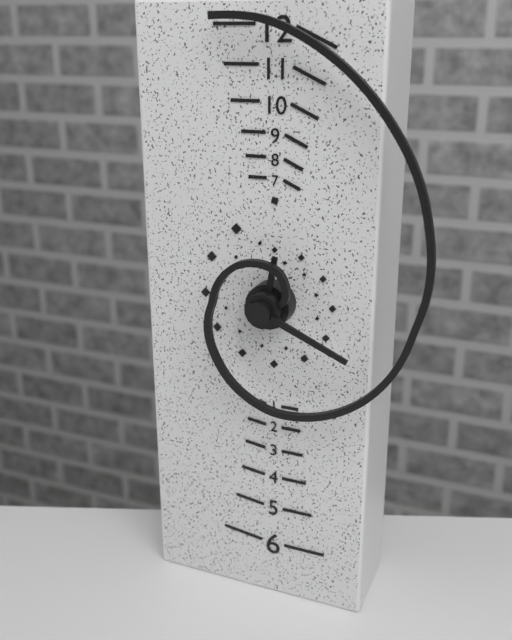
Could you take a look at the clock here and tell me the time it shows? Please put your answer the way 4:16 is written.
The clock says 12:19
